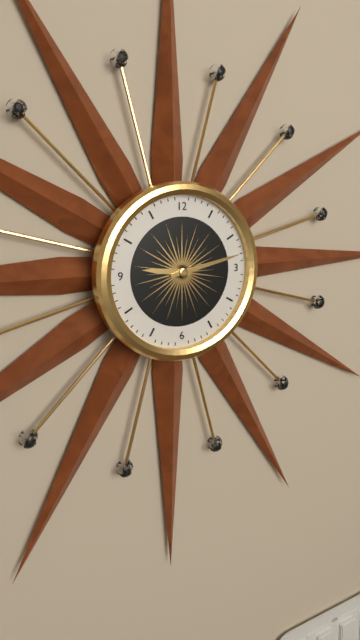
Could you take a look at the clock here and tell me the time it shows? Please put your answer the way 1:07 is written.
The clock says 9:13
